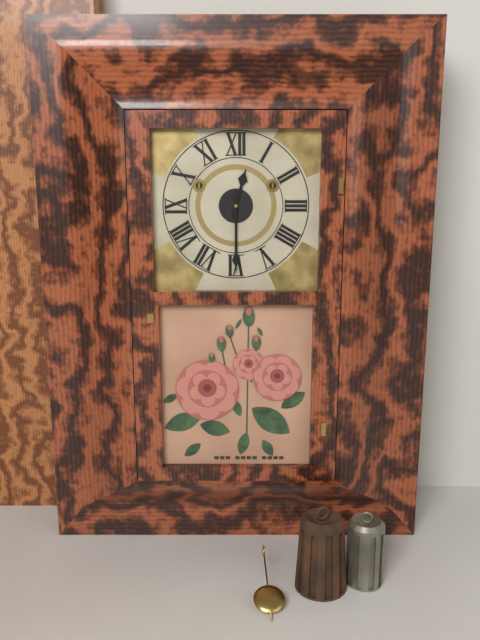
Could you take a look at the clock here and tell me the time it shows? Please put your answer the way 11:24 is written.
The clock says 12:30
